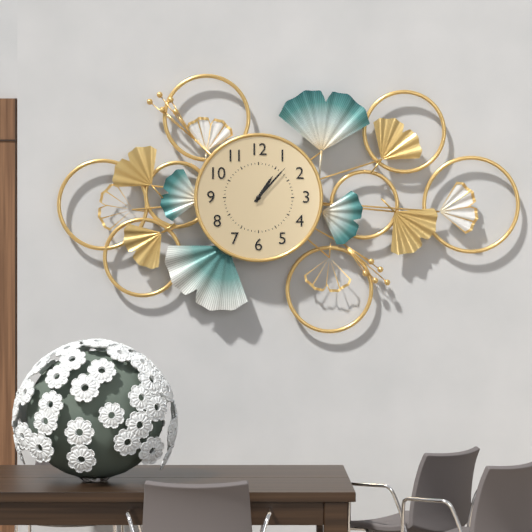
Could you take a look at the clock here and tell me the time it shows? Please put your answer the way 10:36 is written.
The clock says 1:07
